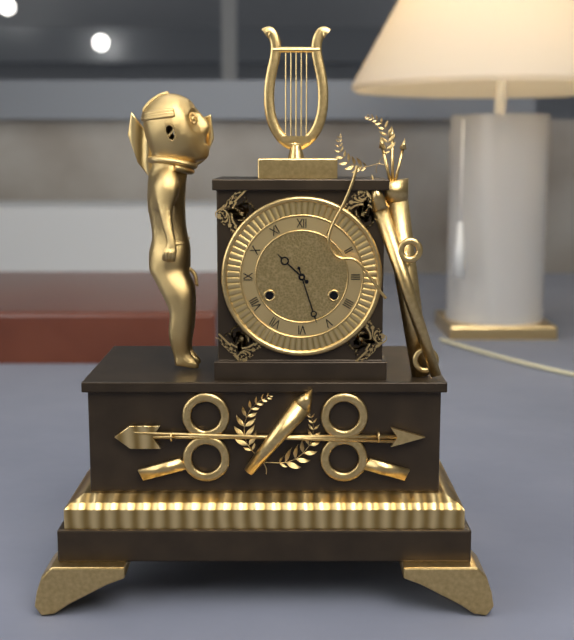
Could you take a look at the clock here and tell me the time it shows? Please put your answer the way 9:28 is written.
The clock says 10:27
